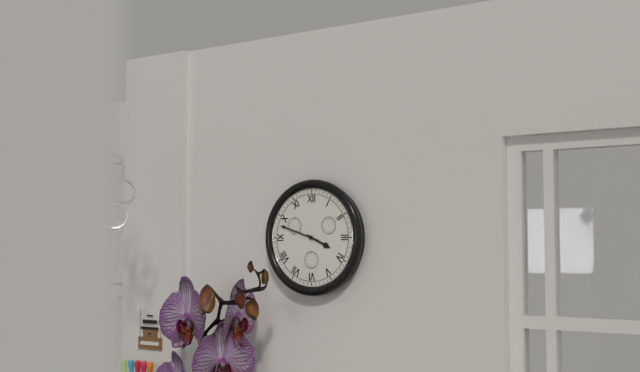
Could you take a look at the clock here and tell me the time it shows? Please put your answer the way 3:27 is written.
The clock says 3:48
